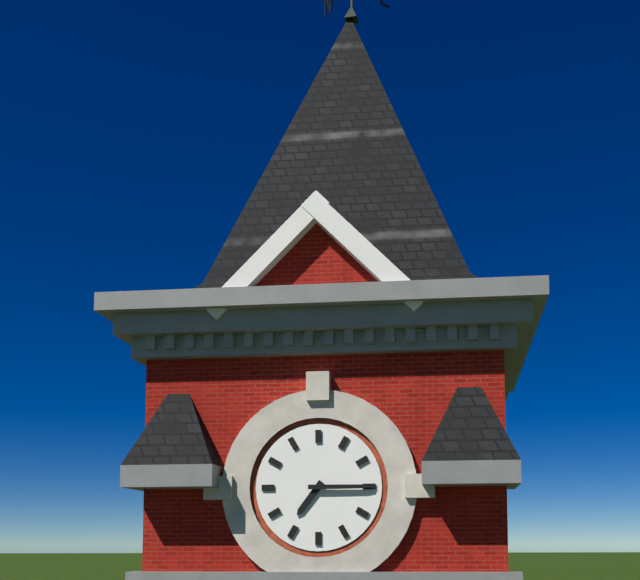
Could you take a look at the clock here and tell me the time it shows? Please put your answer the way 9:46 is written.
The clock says 7:15
